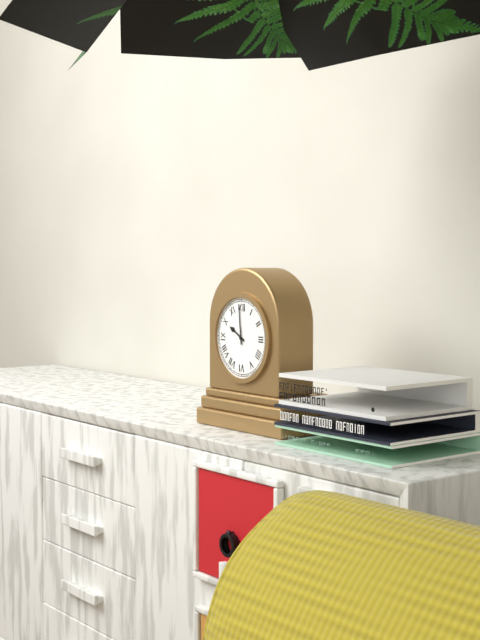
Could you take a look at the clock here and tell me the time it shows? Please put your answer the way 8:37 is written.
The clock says 9:59
